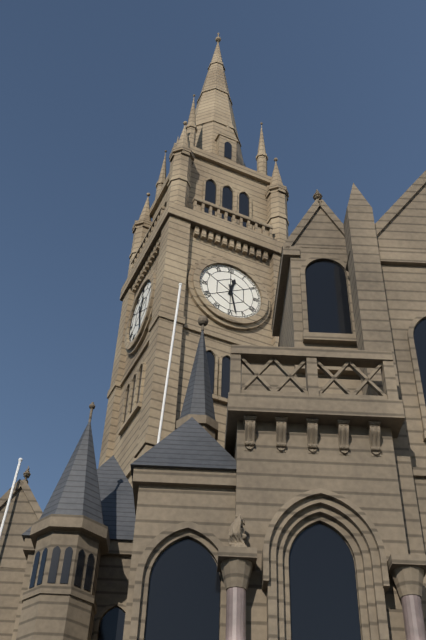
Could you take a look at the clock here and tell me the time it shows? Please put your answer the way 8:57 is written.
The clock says 12:28
